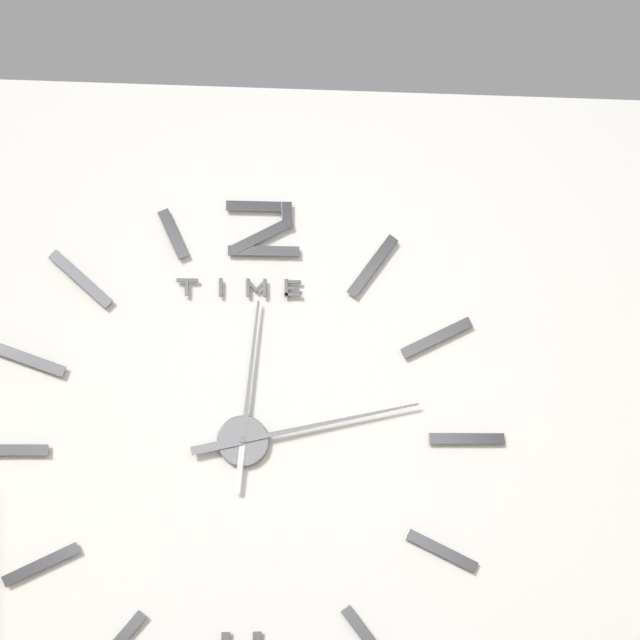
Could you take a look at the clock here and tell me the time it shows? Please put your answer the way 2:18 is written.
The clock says 12:13
